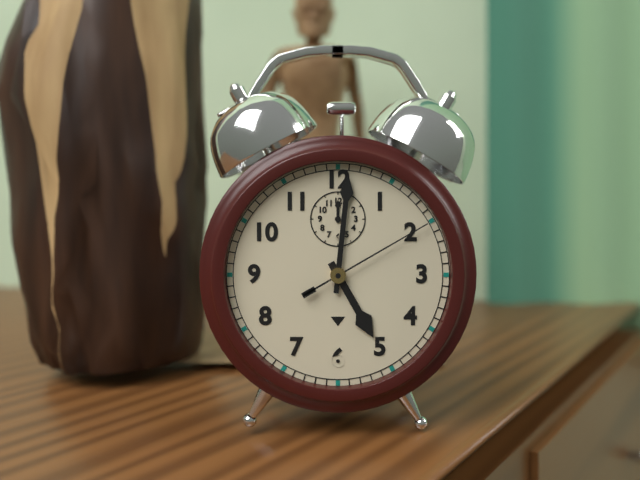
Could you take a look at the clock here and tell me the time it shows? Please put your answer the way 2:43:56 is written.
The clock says 5:01:10
